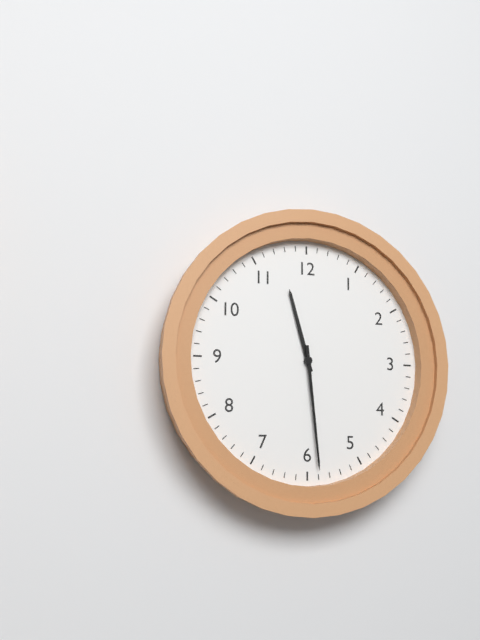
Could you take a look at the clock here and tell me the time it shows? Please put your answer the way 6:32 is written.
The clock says 11:29
